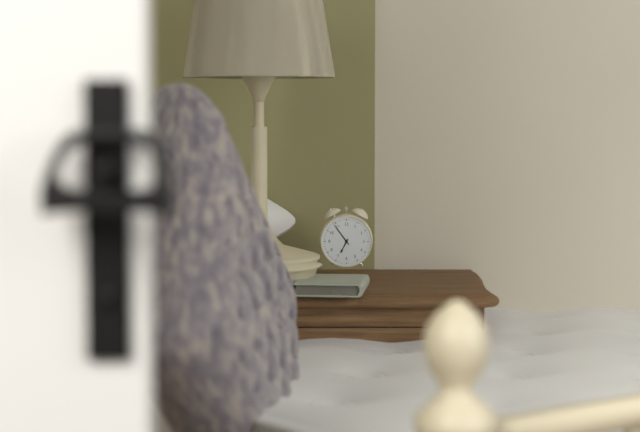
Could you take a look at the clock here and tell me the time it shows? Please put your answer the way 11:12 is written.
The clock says 6:54
